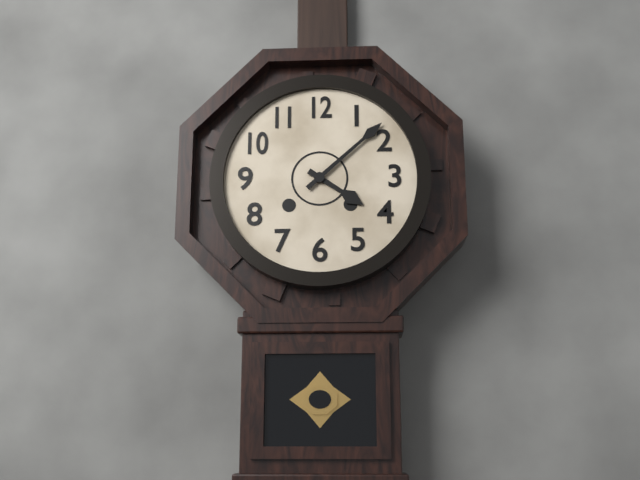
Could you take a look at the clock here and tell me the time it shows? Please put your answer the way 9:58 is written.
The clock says 4:08
